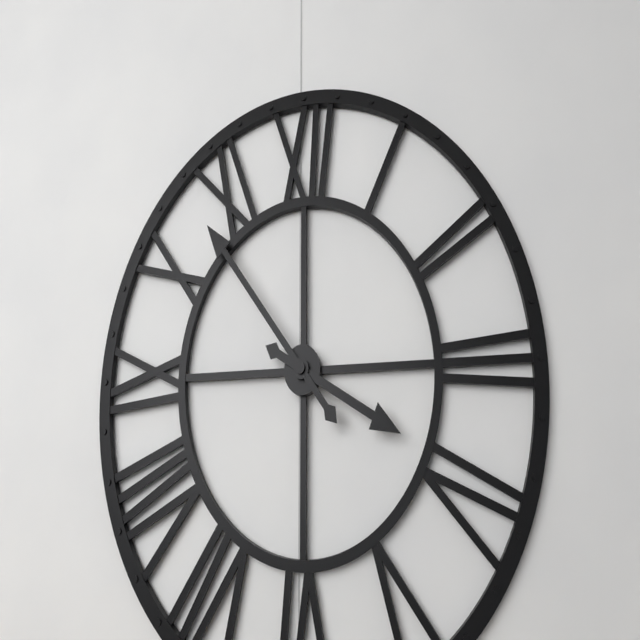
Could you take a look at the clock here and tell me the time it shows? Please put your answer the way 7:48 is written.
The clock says 3:53
